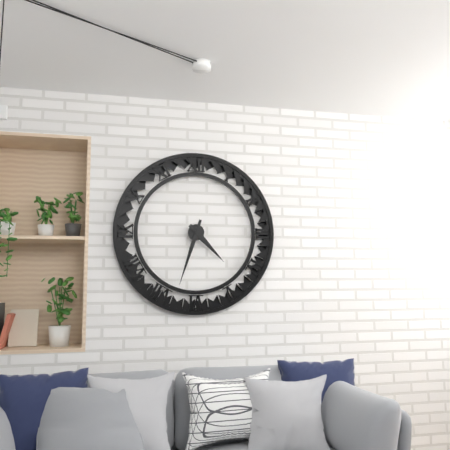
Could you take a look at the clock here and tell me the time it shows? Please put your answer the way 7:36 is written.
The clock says 4:33
